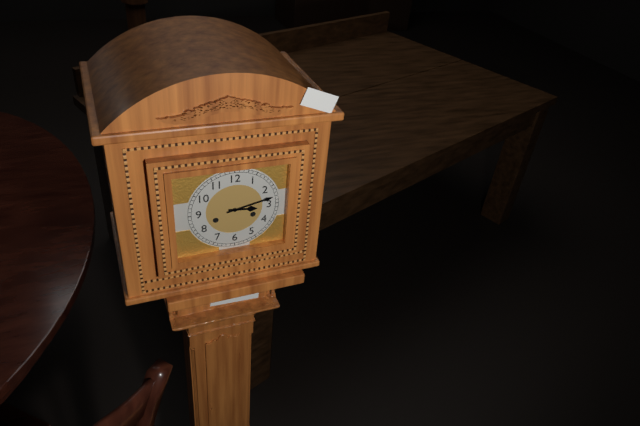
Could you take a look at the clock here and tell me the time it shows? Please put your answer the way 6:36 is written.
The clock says 3:13
